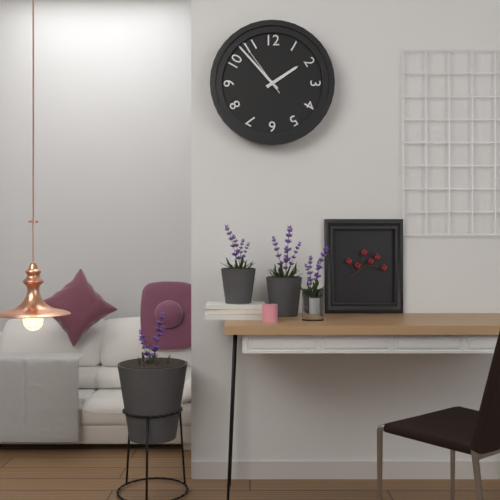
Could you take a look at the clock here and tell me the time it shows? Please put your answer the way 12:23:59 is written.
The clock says 1:53:54
